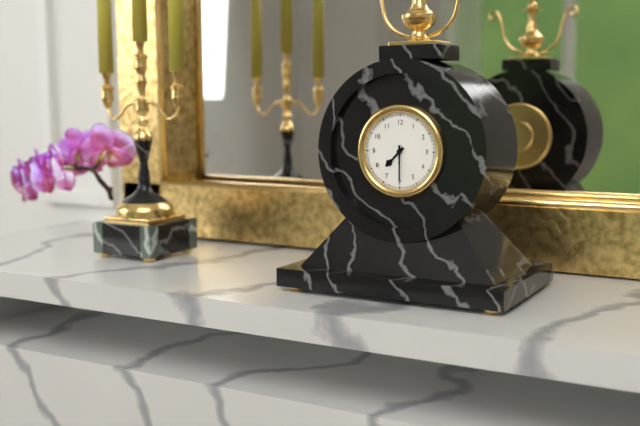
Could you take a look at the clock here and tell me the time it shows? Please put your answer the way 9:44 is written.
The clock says 7:30
